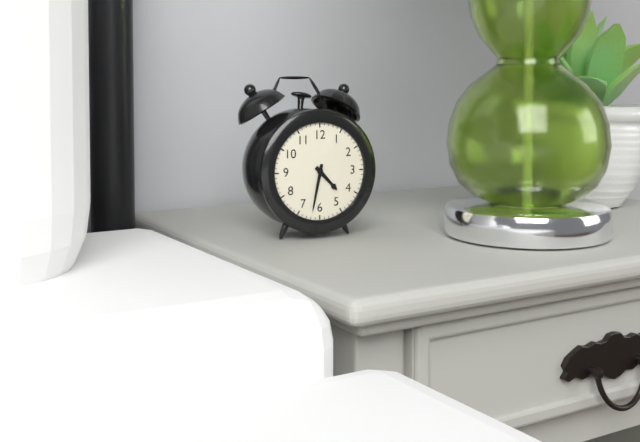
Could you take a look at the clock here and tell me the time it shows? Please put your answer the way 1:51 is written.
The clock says 4:32
